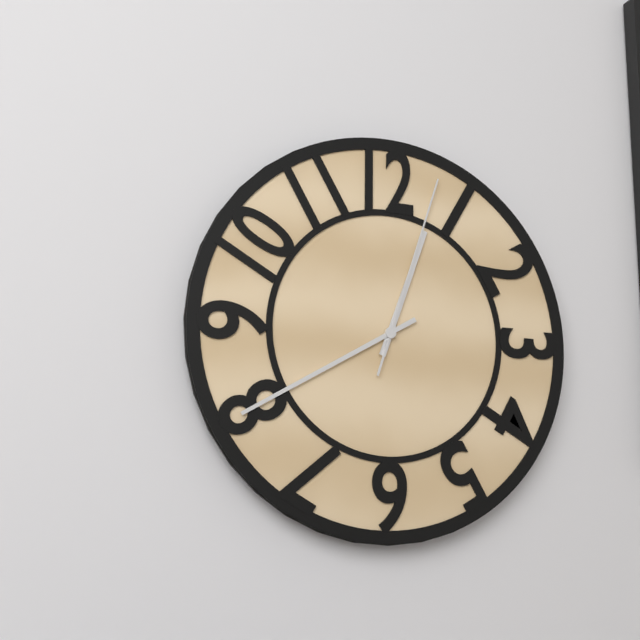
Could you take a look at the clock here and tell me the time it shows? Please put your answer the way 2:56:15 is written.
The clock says 12:40:03
